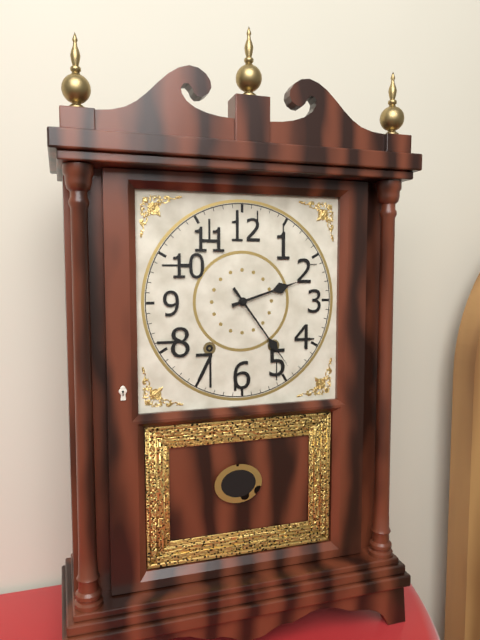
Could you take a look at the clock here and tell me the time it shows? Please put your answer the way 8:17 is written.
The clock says 2:24
